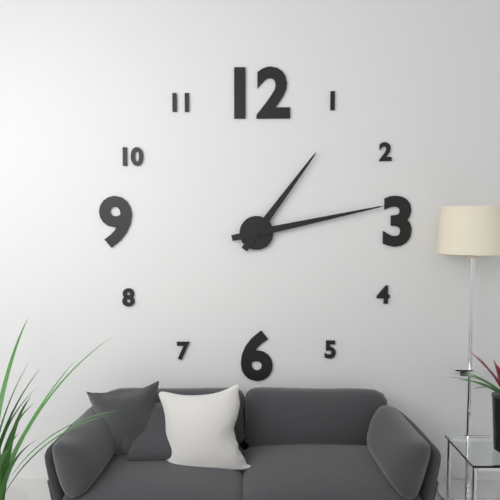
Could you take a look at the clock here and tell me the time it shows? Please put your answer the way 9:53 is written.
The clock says 1:13
